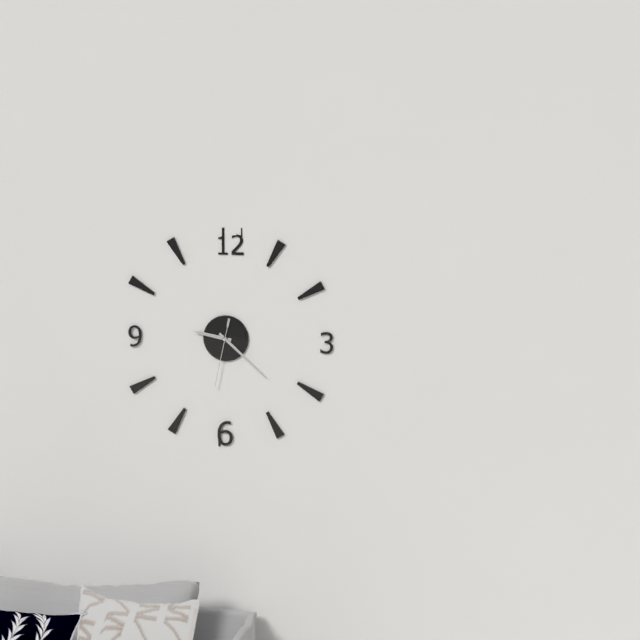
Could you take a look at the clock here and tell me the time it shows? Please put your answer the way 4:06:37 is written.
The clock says 9:22:32
